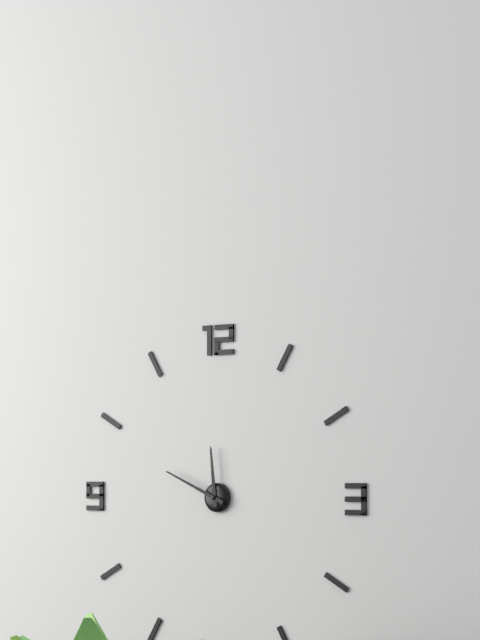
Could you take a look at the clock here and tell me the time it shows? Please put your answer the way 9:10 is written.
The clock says 11:49
